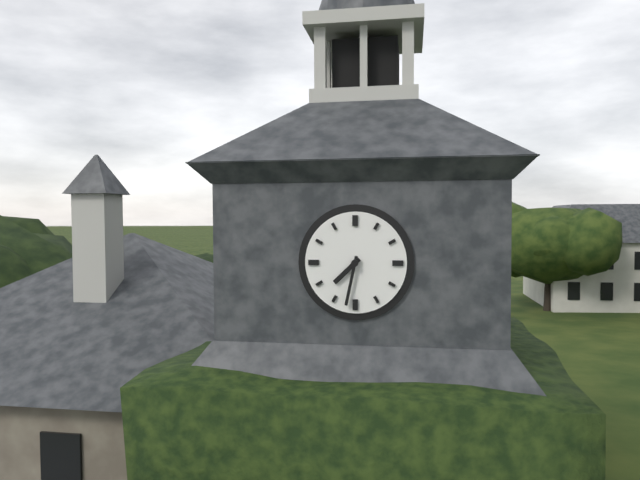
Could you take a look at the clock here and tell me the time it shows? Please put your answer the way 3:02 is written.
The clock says 7:32
